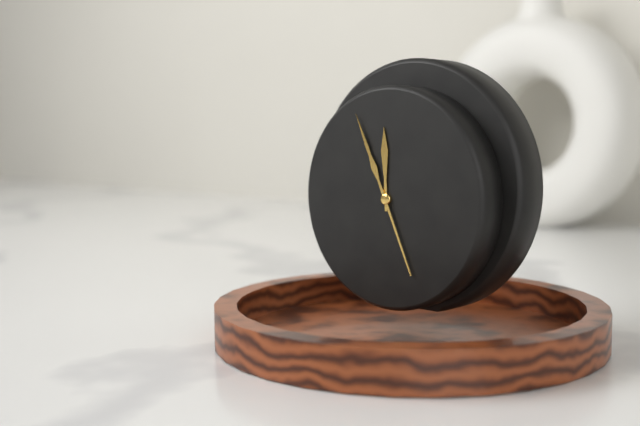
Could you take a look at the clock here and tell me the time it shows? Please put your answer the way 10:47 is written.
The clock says 11:56
